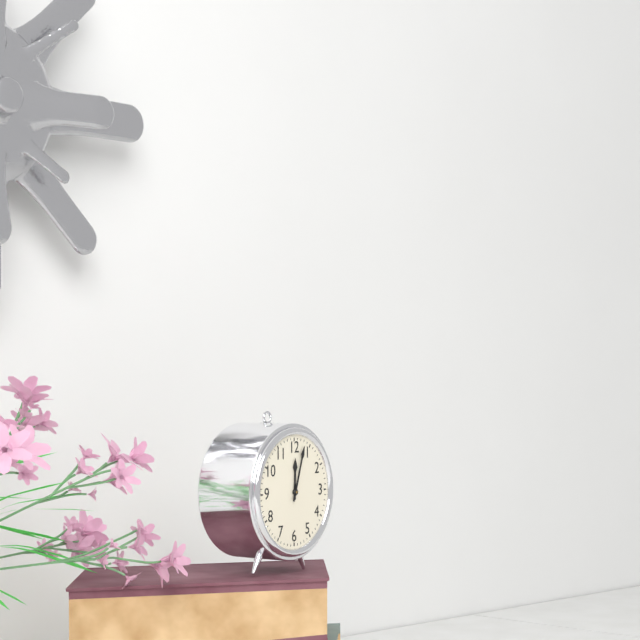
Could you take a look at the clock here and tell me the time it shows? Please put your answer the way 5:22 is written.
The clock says 12:03
